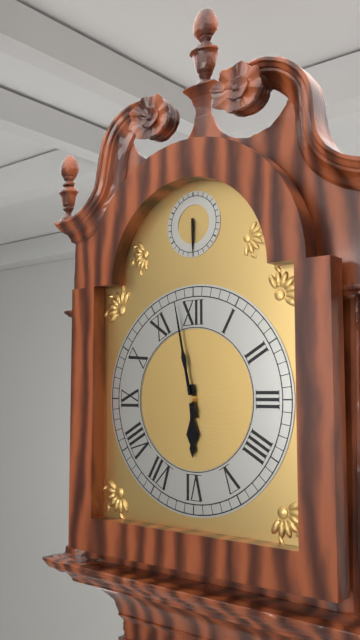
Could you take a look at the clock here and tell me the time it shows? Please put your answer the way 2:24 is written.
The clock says 5:58
